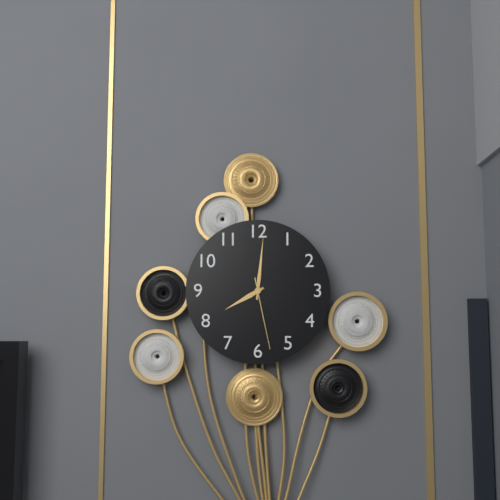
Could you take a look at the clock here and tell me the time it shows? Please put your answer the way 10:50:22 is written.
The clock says 8:01:28
